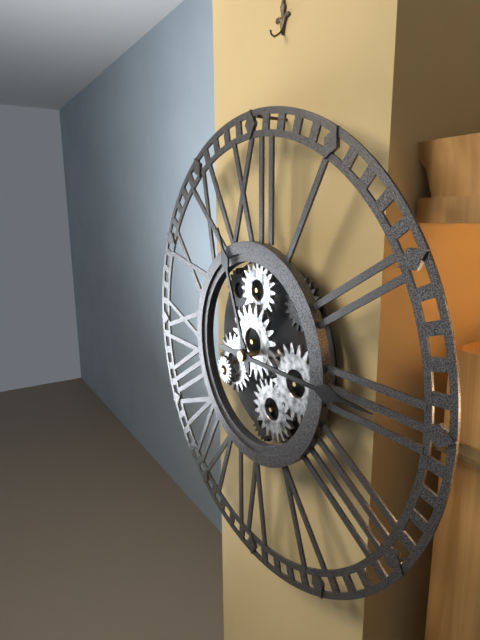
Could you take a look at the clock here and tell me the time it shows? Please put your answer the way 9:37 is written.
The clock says 11:15
